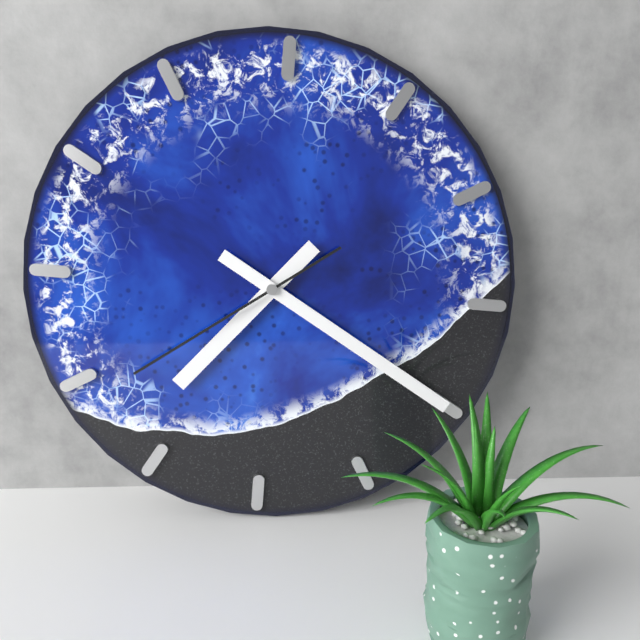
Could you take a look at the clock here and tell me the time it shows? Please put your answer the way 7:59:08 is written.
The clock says 7:20:39
